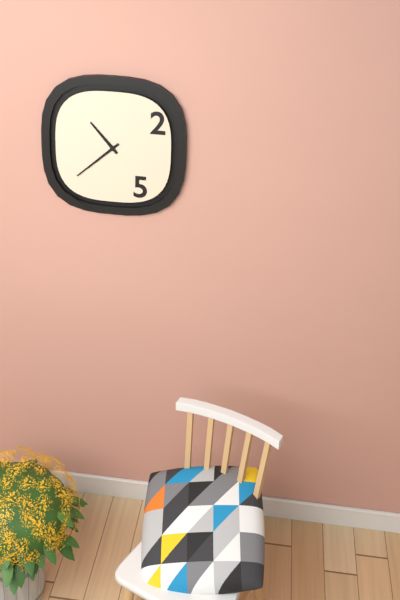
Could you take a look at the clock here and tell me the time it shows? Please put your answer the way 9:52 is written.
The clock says 10:38
